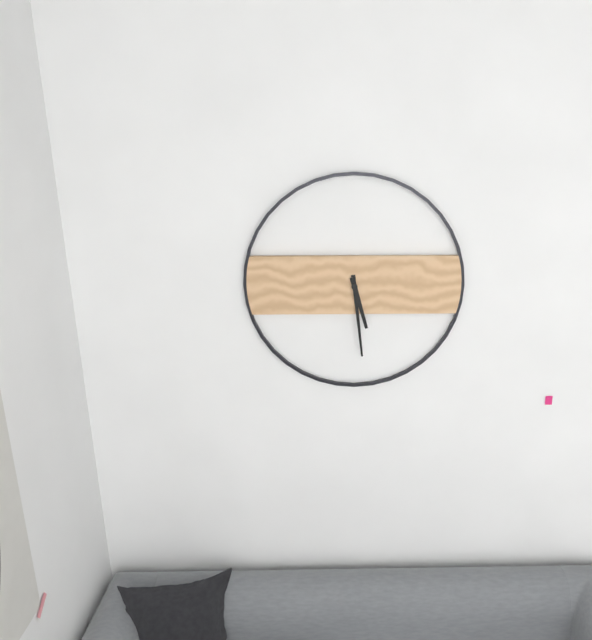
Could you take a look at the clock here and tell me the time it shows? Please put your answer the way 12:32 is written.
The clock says 5:29
